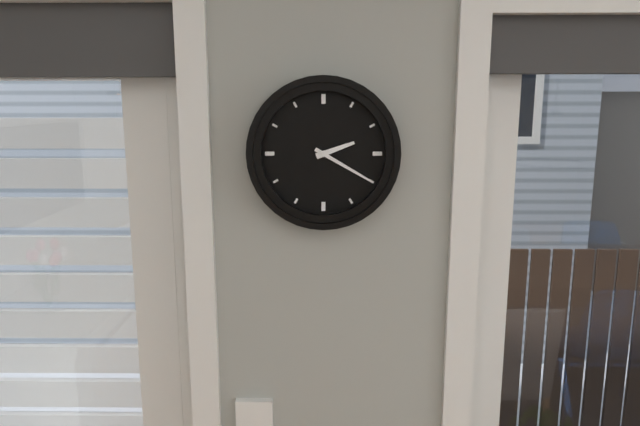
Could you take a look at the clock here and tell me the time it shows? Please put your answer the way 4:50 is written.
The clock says 2:20
